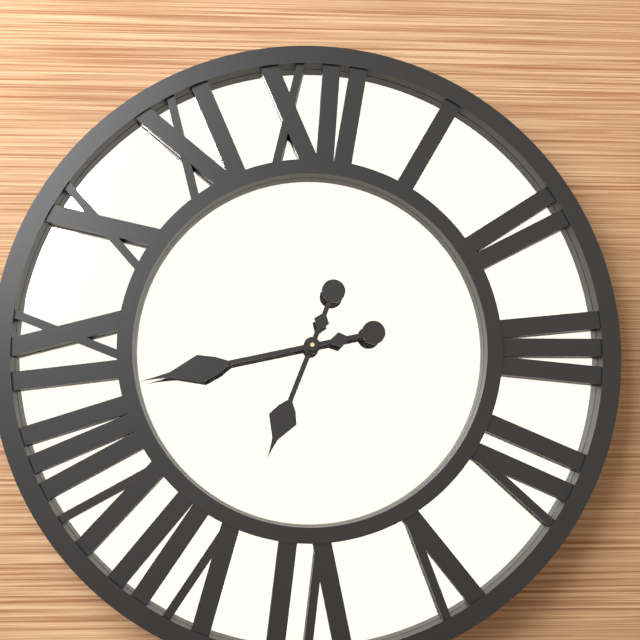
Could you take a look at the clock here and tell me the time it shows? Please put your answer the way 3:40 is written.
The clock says 6:43
